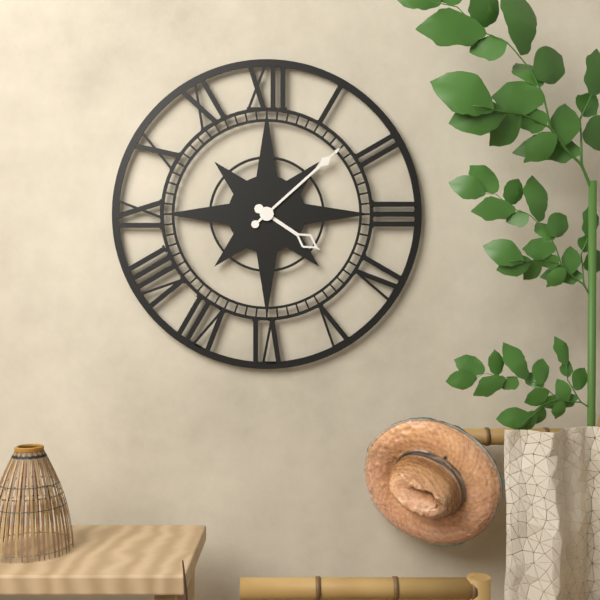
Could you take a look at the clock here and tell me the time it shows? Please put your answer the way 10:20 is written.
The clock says 4:08
